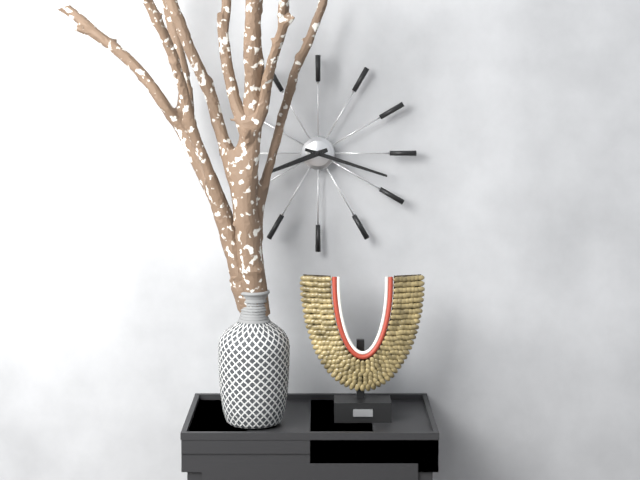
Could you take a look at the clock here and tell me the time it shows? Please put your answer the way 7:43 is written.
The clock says 8:18
